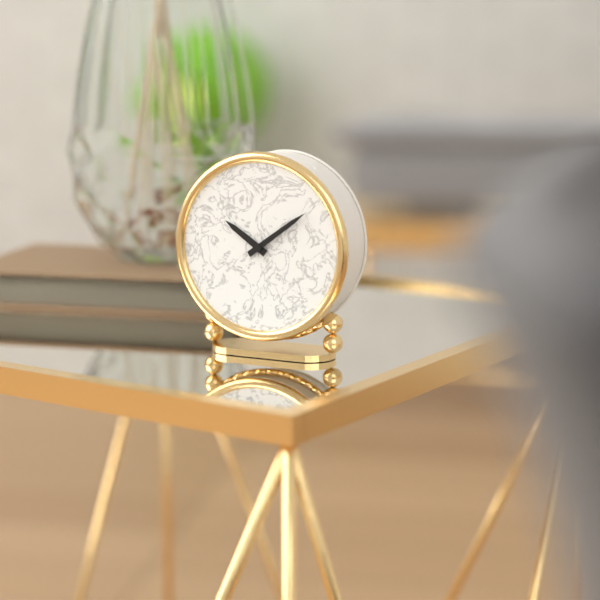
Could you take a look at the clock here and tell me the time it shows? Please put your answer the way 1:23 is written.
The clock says 10:09
